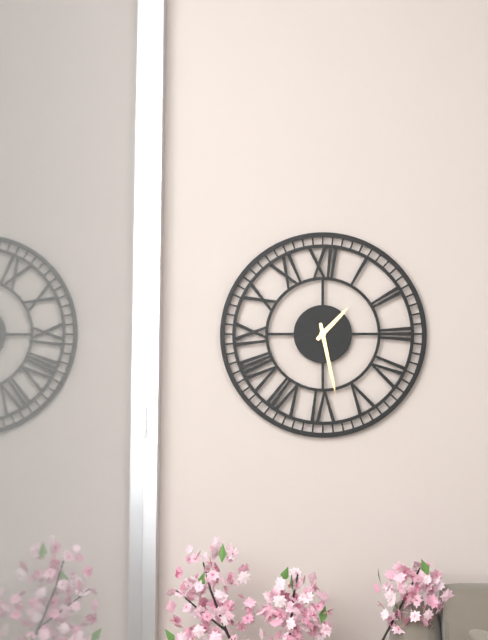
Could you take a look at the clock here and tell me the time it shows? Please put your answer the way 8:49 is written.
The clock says 1:28
